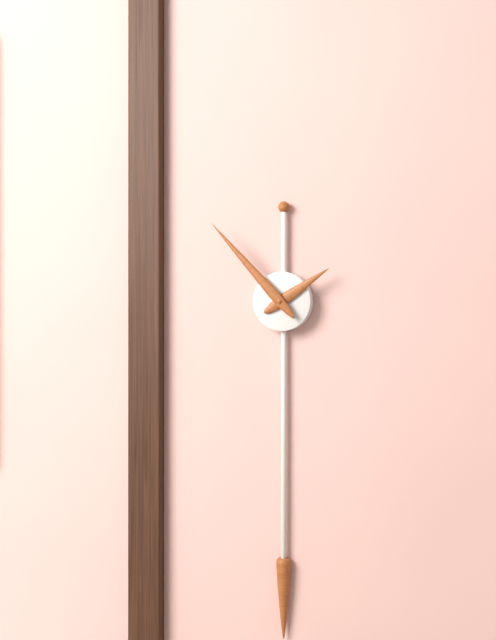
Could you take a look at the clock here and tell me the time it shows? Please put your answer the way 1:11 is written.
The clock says 1:53
